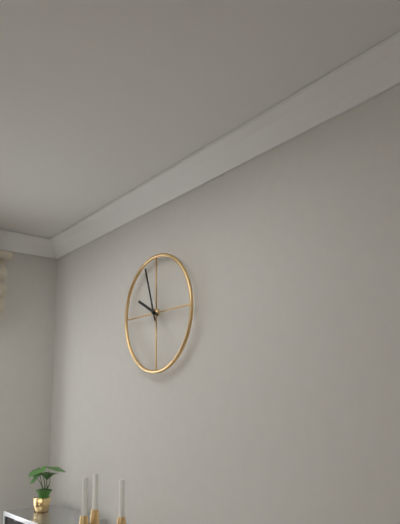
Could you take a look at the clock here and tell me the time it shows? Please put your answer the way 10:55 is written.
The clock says 9:57
